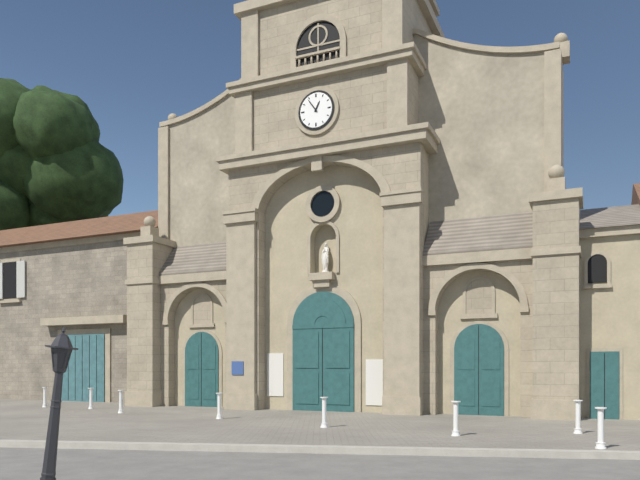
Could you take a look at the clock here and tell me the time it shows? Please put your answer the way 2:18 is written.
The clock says 12:54
